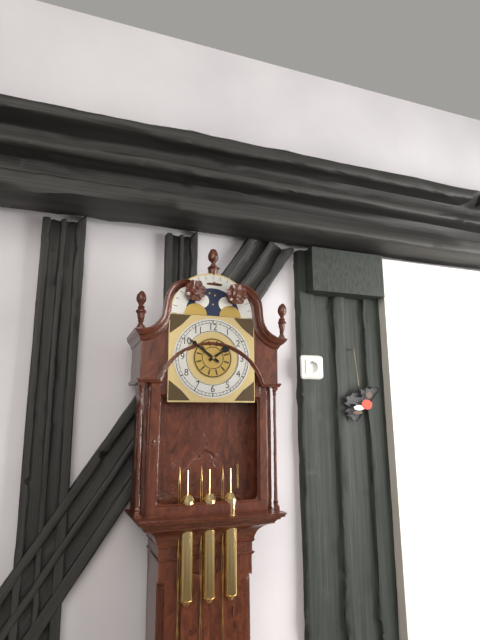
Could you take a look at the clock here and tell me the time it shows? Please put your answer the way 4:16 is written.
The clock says 1:51
